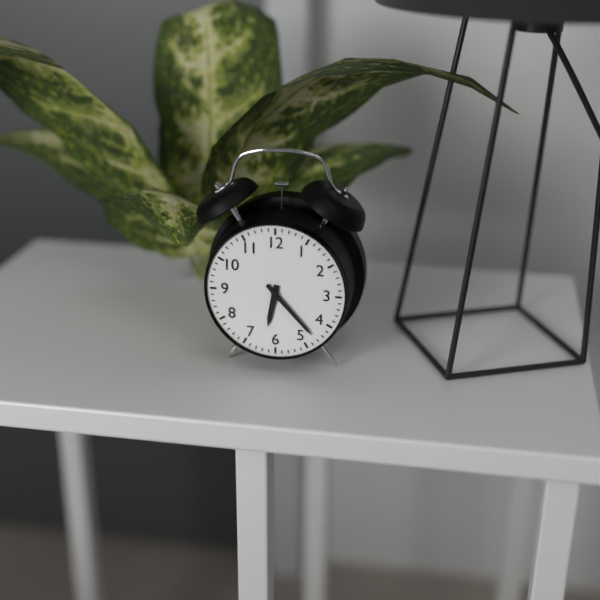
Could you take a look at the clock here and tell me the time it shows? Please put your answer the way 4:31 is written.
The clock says 6:23
